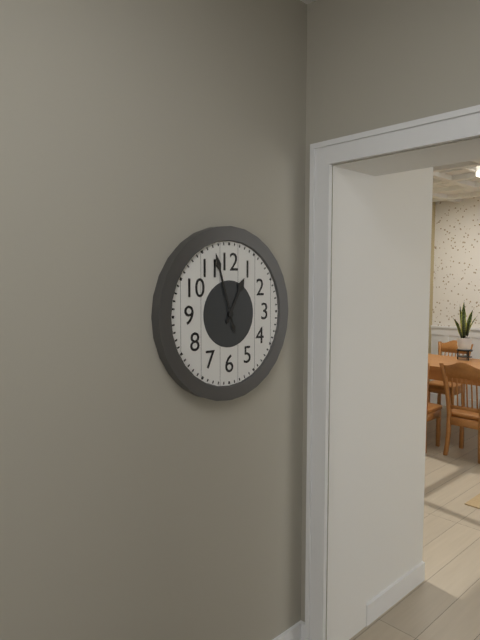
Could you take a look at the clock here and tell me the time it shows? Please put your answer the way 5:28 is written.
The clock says 12:57
